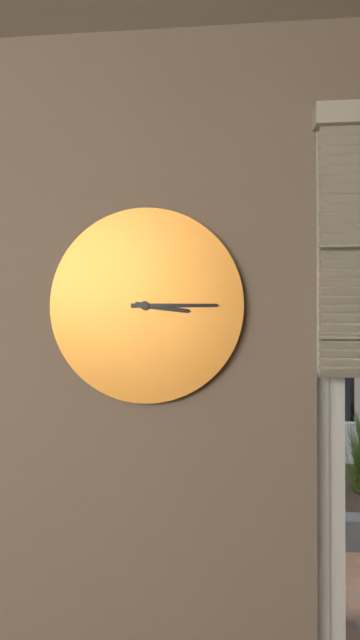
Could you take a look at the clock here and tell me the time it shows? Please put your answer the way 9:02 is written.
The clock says 3:15
